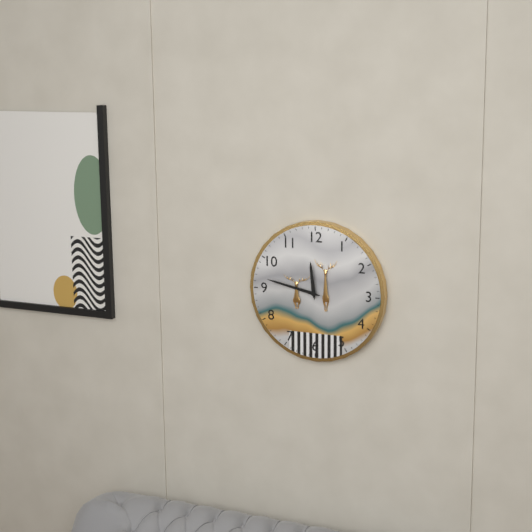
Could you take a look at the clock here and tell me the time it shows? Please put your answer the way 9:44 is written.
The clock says 11:47
